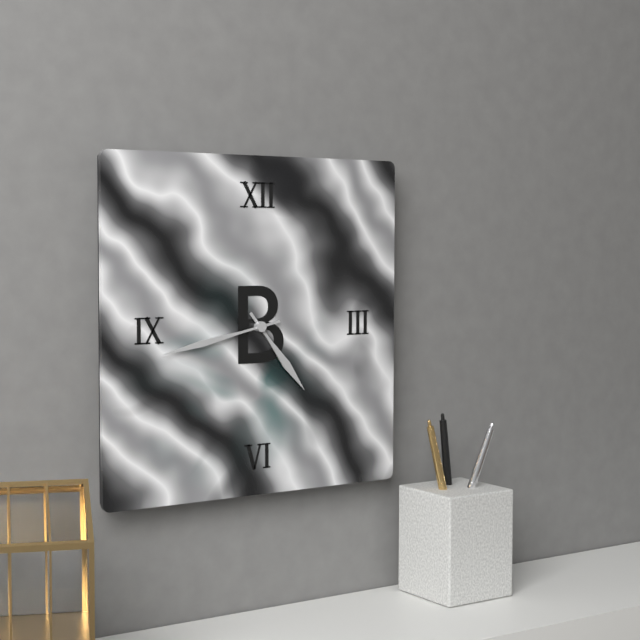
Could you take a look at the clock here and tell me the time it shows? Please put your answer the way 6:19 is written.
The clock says 4:43
